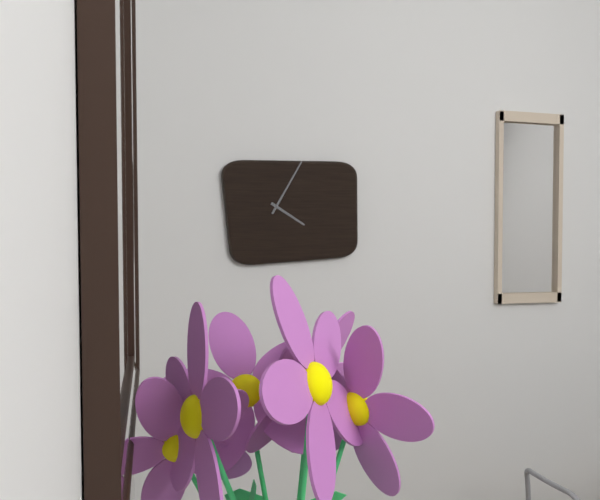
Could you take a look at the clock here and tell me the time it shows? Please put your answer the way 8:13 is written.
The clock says 4:05
